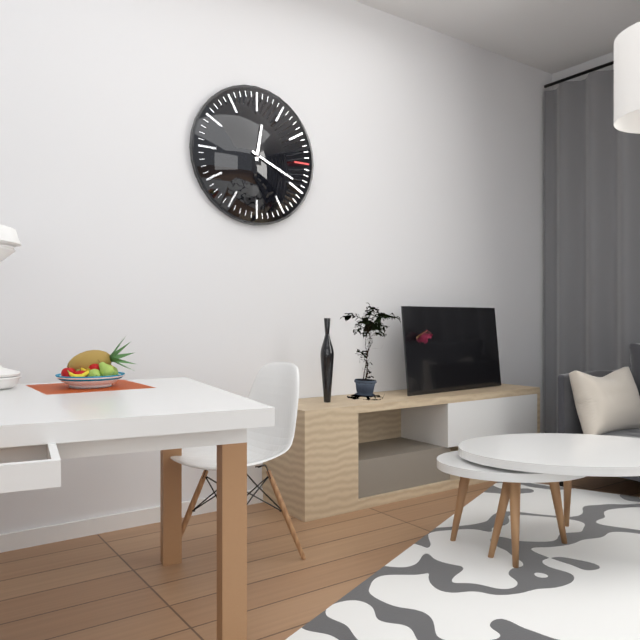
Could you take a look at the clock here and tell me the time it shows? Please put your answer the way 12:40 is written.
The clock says 12:19
